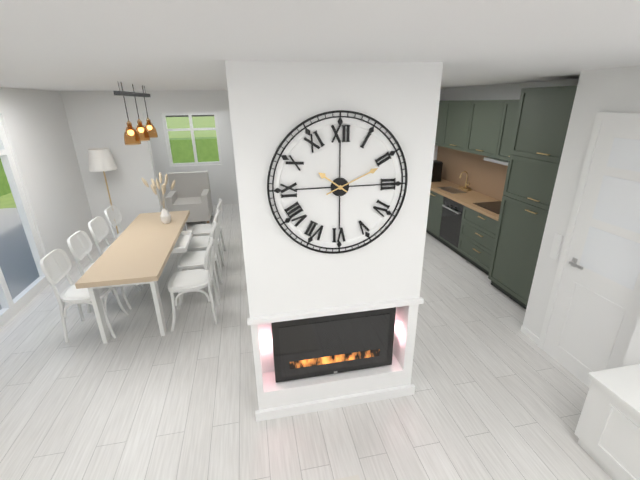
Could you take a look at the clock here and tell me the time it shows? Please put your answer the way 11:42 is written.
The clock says 10:11
